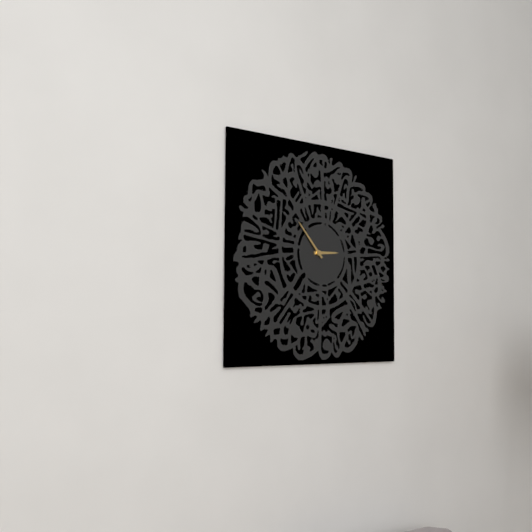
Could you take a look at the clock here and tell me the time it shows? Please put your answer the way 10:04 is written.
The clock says 2:53
